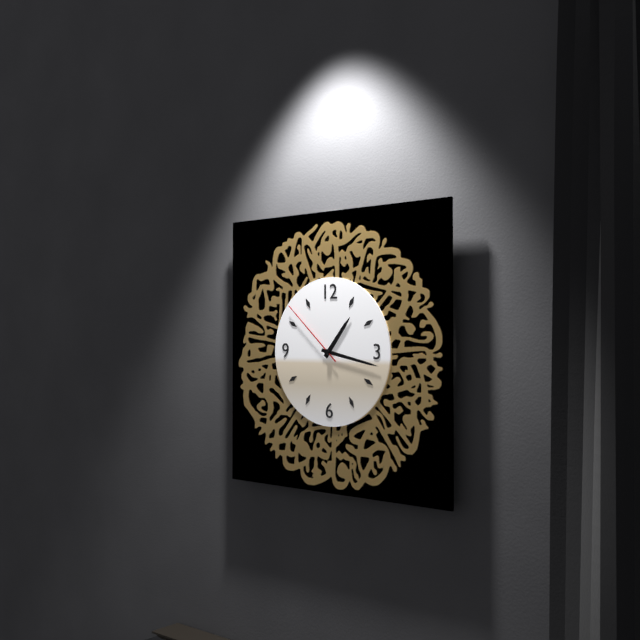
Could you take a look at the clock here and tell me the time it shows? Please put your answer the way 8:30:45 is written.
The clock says 1:17:52
